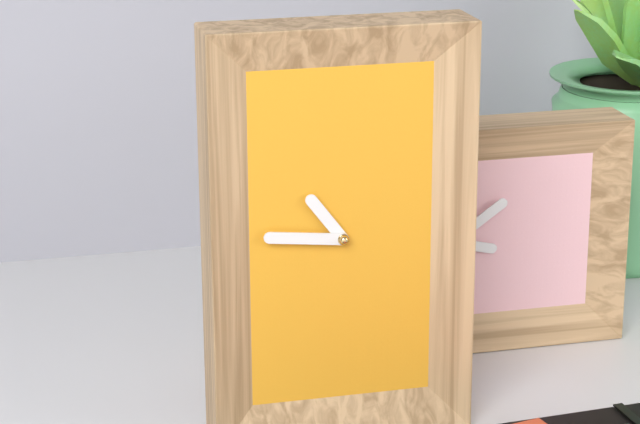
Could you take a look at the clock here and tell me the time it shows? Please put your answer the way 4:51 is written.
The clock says 10:46
